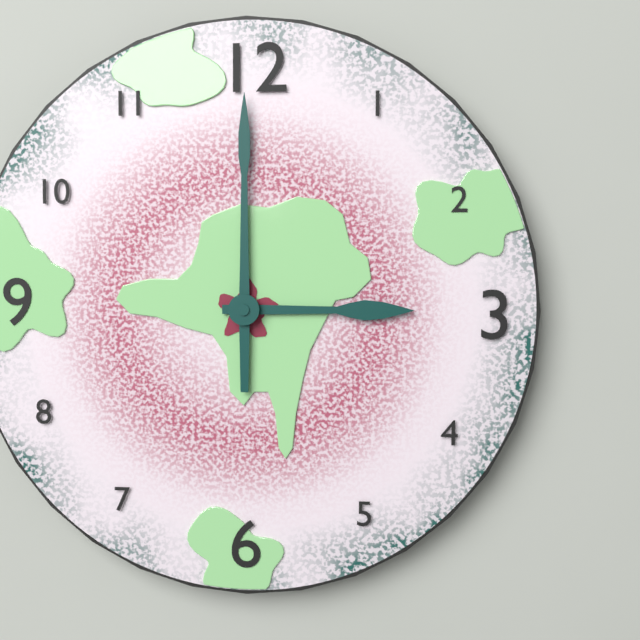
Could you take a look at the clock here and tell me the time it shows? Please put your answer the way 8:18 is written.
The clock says 3:00
